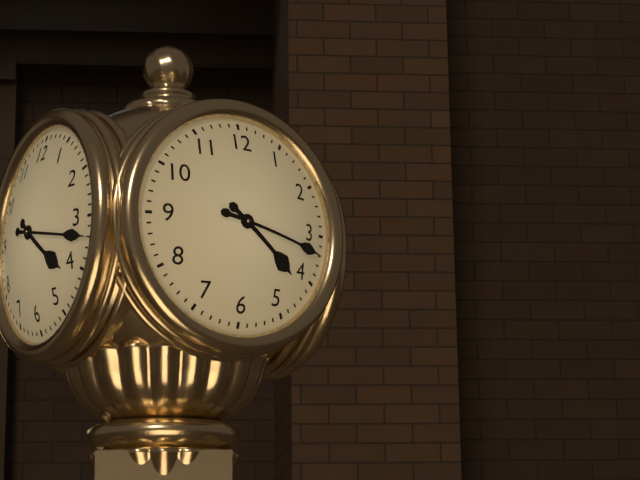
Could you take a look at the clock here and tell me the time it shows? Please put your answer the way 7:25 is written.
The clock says 4:17
